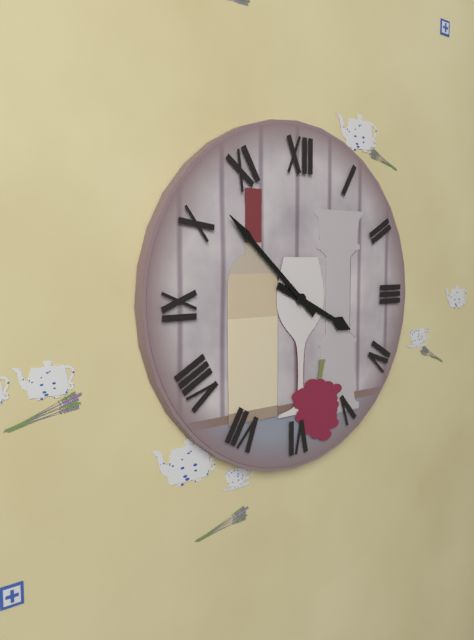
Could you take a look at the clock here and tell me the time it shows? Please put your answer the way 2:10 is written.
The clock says 3:52
